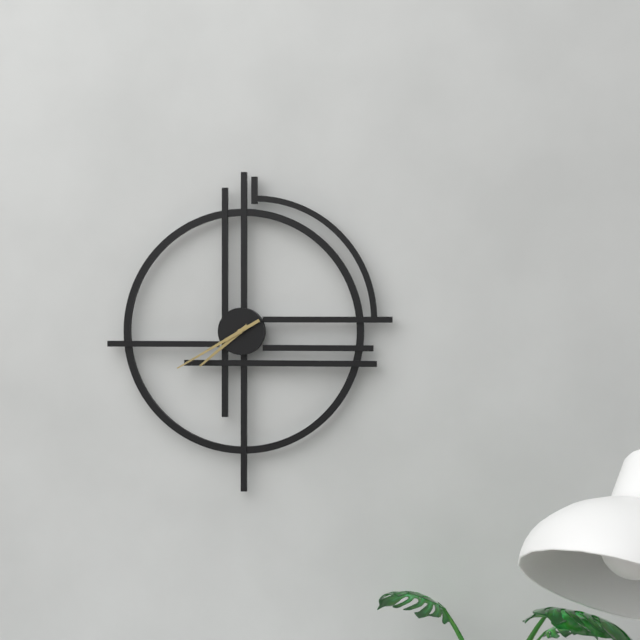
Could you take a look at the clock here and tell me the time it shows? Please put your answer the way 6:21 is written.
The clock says 7:40
